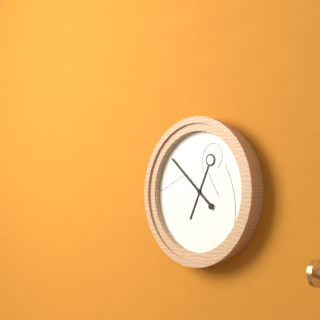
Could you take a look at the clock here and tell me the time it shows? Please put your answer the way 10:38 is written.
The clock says 6:52
